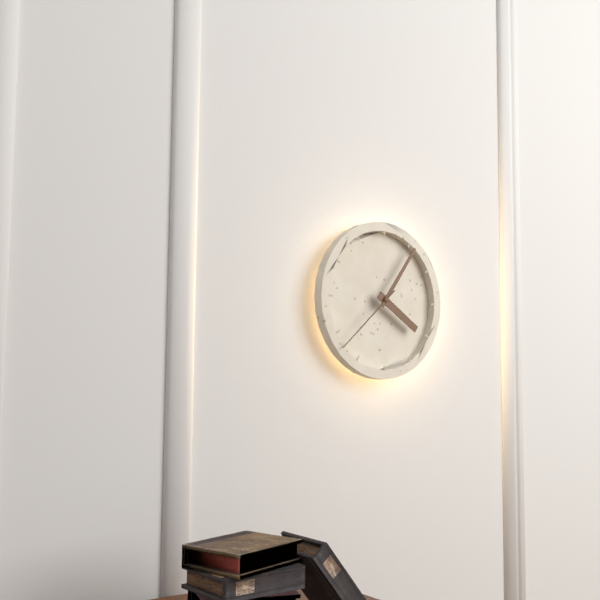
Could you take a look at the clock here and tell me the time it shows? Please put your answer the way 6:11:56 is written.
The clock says 4:06:38
